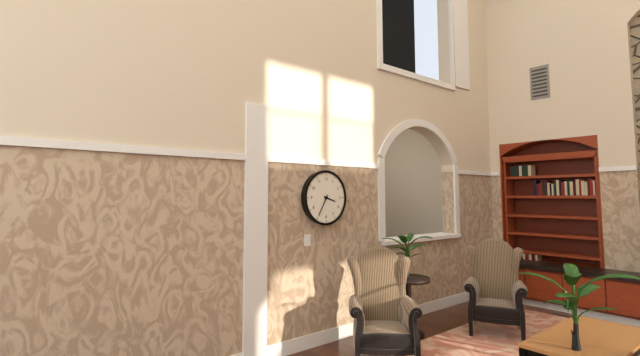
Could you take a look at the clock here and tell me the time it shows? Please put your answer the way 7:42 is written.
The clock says 3:35
